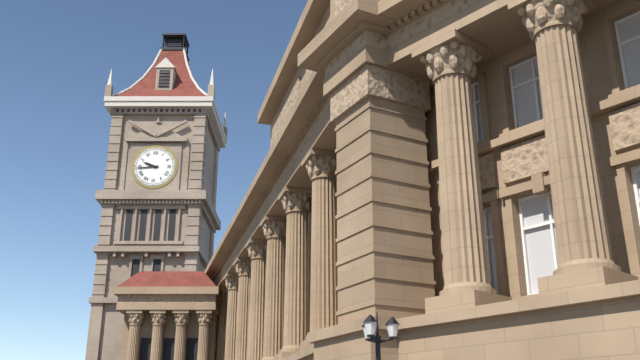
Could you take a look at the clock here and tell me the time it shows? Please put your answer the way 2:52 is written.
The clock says 9:44
